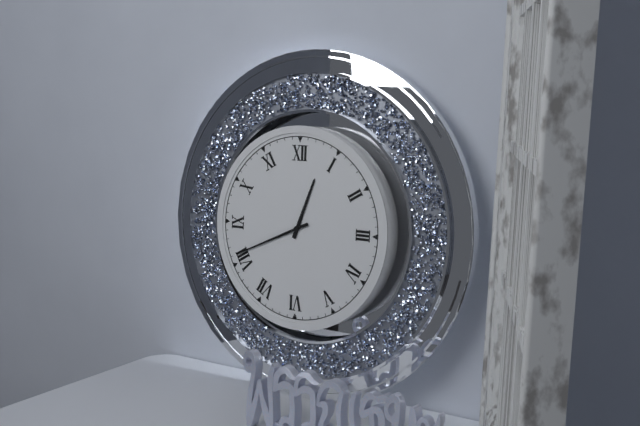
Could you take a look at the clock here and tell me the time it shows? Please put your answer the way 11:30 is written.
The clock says 12:41
